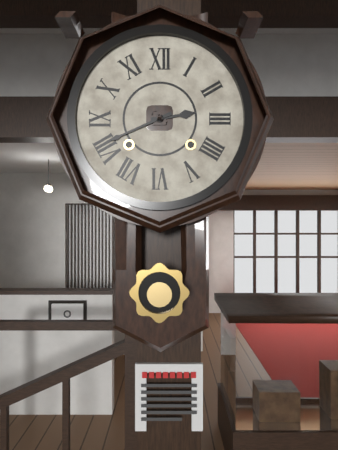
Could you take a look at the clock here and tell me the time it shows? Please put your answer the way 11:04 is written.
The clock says 2:41
